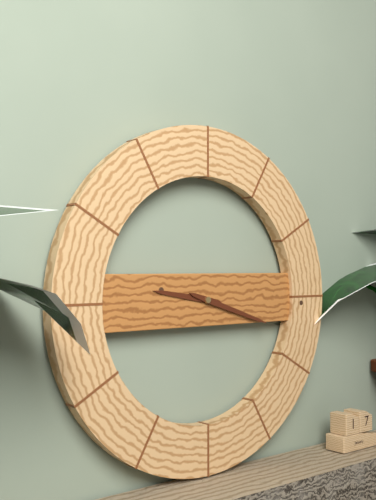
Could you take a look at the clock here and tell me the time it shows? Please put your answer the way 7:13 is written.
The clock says 9:18
